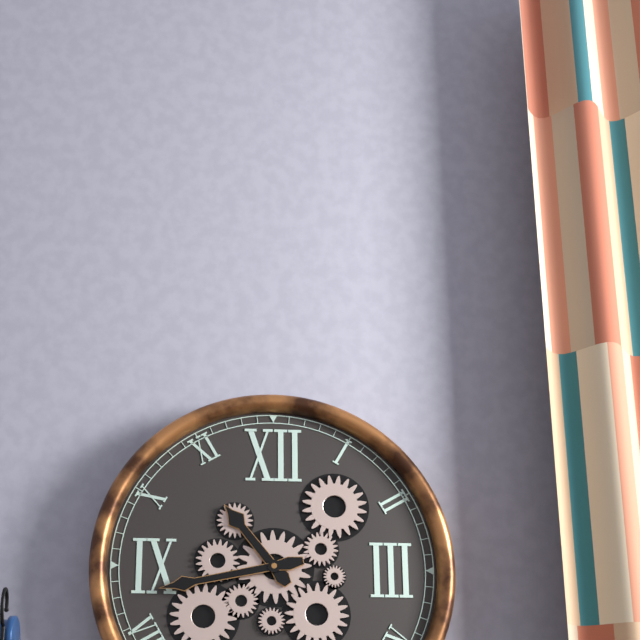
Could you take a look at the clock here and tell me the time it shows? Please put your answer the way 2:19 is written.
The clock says 10:43
